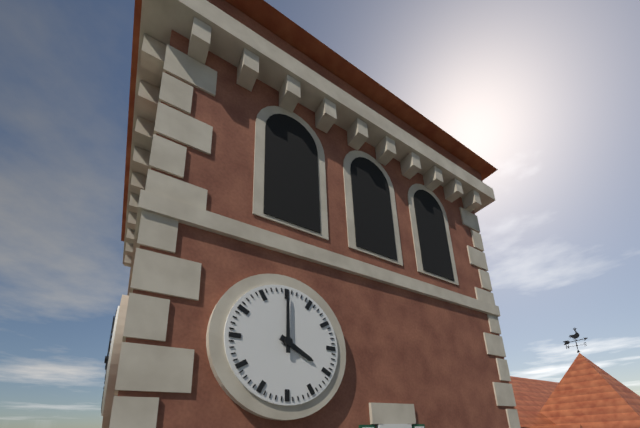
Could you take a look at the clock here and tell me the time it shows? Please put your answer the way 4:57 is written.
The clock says 4:00
